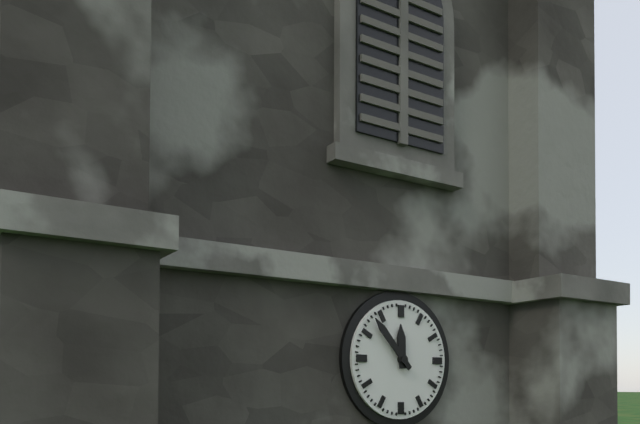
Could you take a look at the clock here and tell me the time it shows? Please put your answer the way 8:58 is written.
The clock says 11:53
